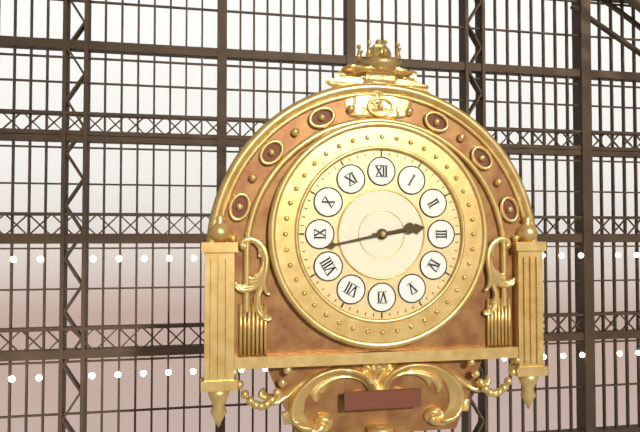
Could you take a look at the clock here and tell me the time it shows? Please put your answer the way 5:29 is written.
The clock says 2:43
